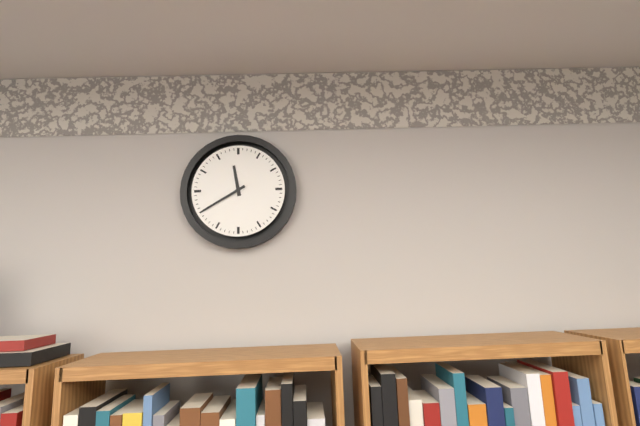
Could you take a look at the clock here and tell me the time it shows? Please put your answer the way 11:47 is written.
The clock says 11:40
